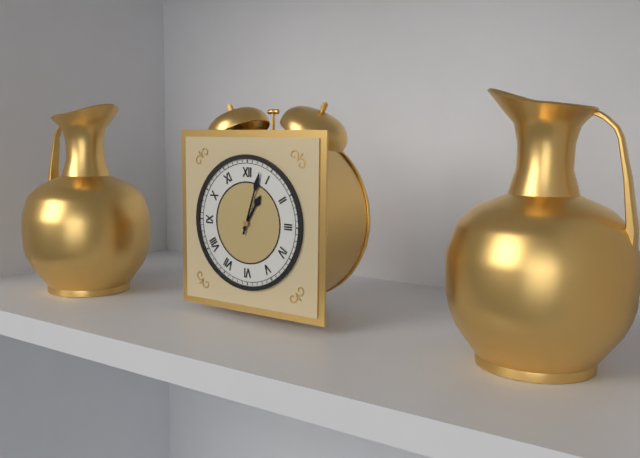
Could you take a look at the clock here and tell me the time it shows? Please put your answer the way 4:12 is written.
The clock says 1:03
